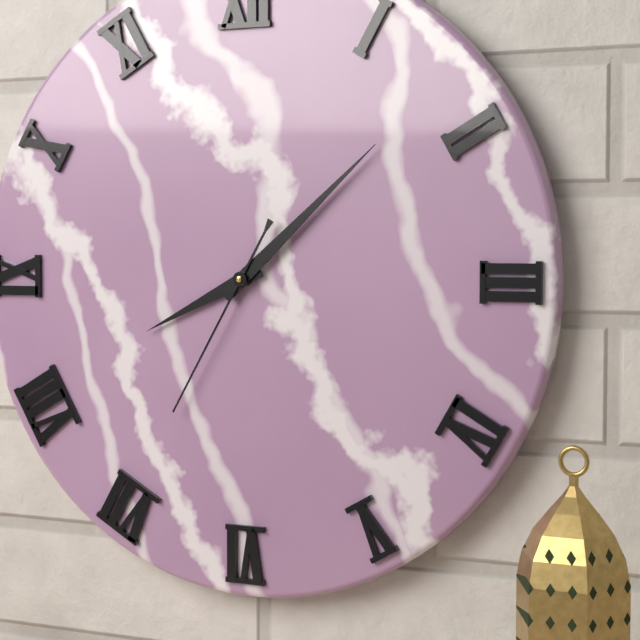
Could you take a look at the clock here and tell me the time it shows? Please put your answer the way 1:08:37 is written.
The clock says 8:08:35
